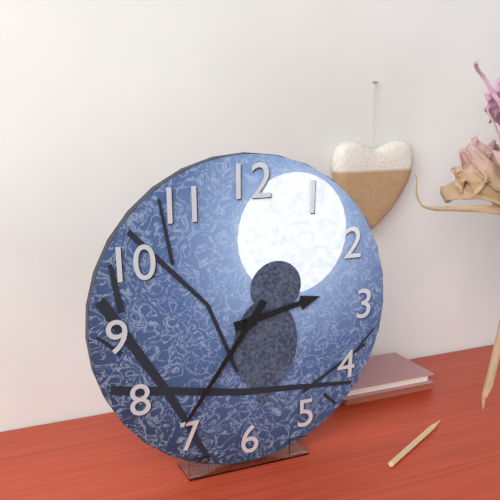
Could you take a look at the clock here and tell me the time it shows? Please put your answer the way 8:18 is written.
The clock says 2:36
